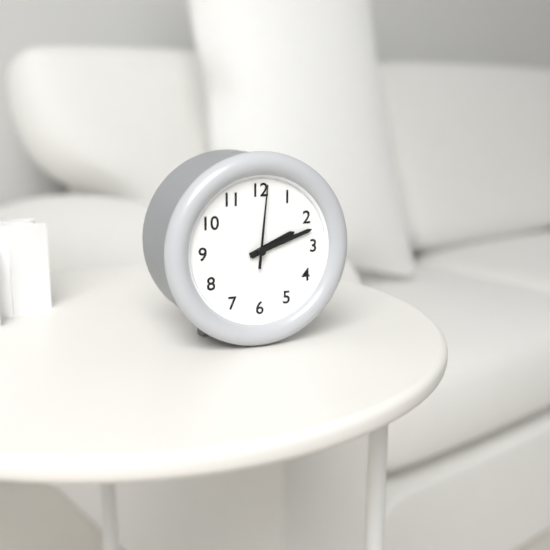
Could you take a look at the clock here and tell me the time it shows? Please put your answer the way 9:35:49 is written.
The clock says 2:12:01
